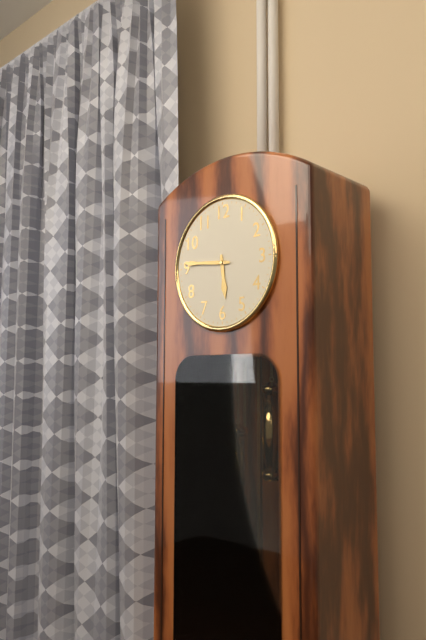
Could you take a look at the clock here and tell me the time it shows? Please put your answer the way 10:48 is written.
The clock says 5:46
